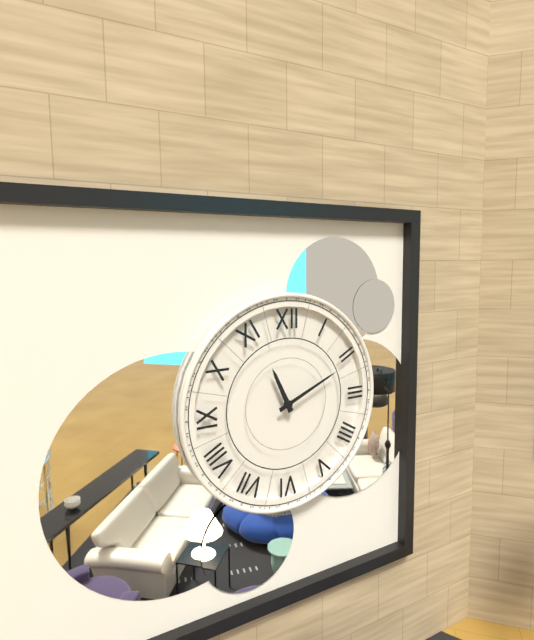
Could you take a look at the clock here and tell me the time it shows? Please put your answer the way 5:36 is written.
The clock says 11:11
